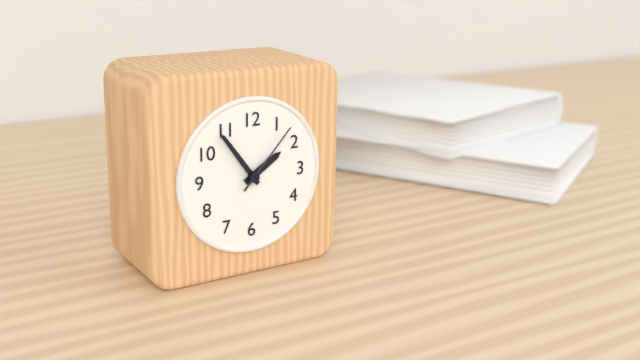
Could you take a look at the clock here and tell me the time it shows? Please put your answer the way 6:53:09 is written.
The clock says 1:54:07
